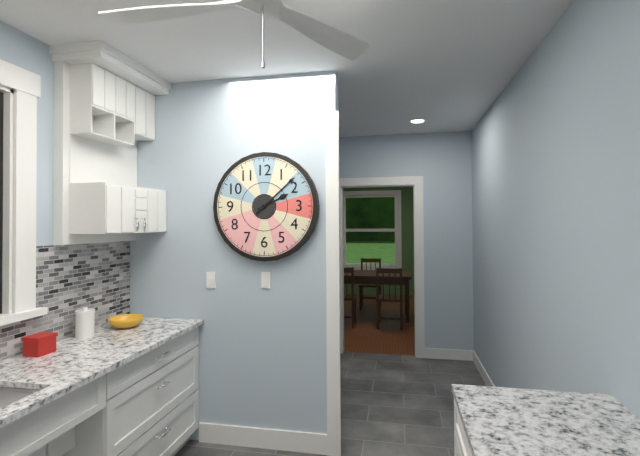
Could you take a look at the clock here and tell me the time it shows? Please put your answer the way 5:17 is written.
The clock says 2:08
